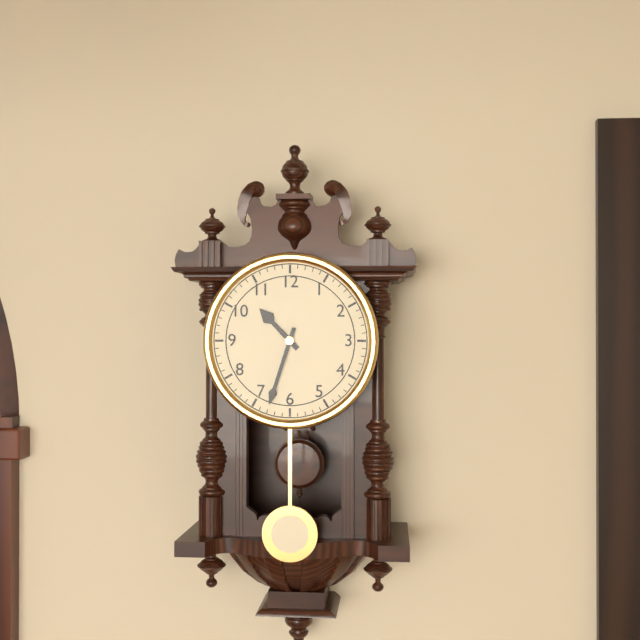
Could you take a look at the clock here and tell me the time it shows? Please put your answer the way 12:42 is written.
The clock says 10:33
